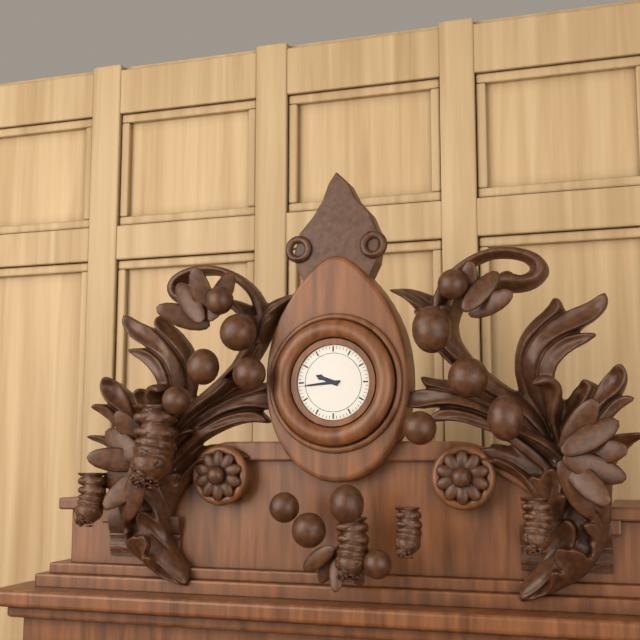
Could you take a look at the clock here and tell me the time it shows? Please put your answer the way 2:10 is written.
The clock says 9:44
